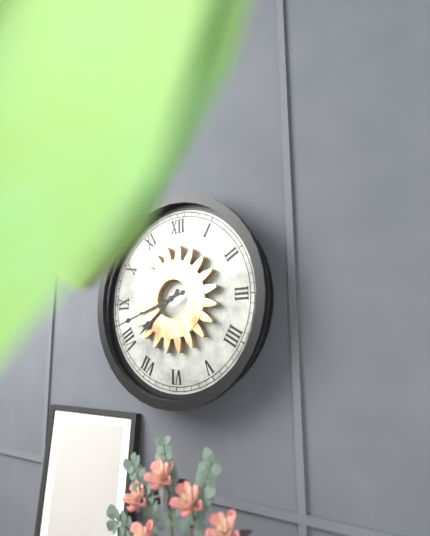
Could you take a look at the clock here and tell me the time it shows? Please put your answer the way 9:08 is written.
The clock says 7:42
